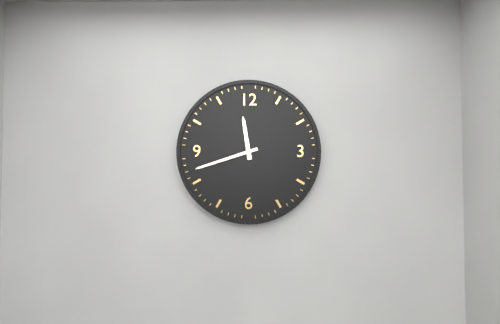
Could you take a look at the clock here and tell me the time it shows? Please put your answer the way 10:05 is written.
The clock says 11:42
